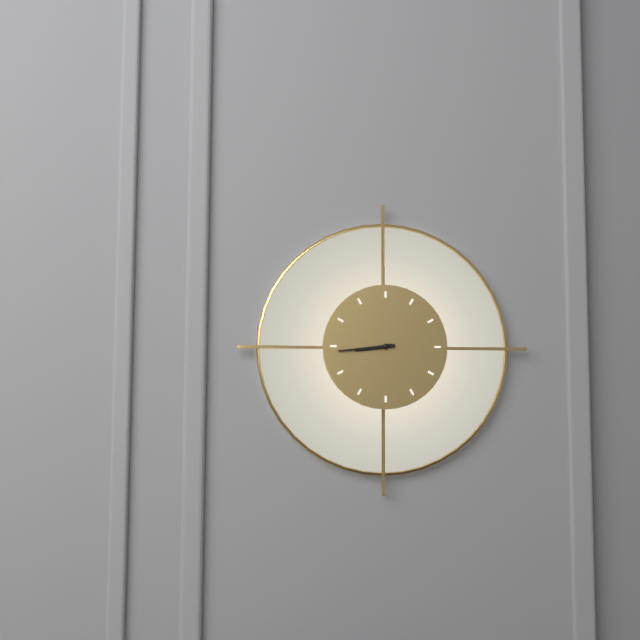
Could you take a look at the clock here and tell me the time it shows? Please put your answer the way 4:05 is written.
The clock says 8:44
